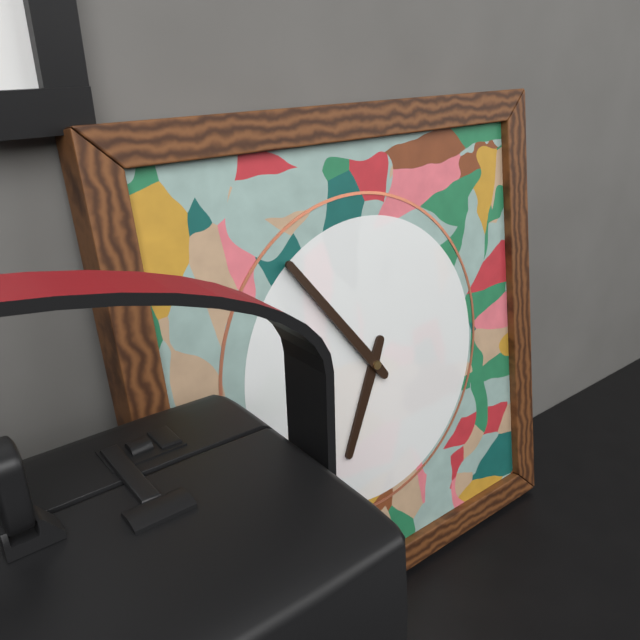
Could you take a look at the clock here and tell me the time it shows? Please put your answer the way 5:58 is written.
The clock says 6:54
